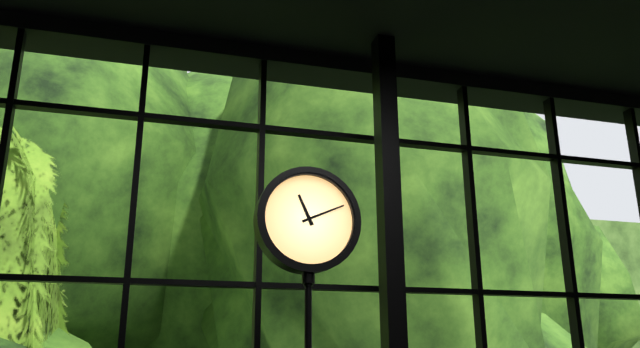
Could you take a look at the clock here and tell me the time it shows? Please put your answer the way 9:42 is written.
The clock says 11:11
